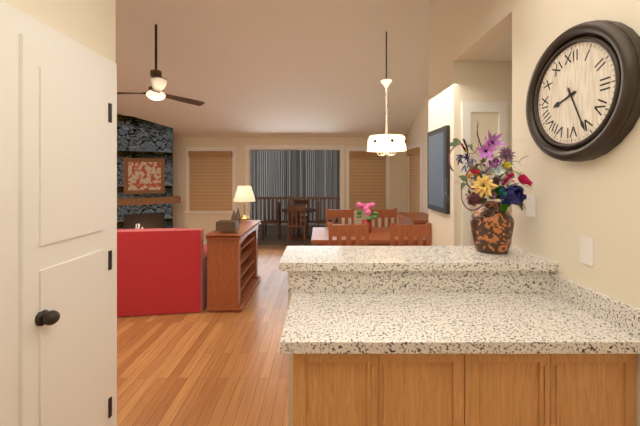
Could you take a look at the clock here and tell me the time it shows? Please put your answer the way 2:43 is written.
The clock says 8:26
